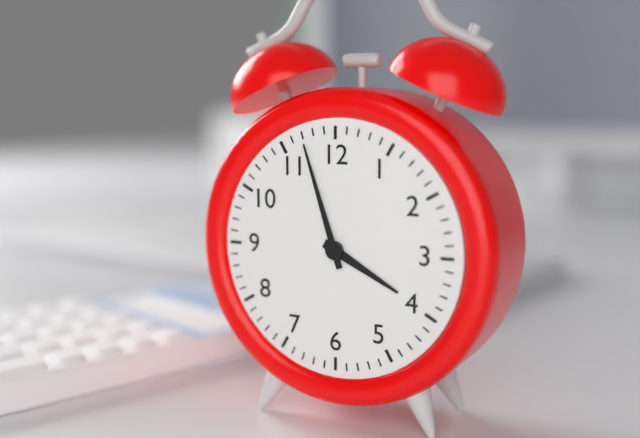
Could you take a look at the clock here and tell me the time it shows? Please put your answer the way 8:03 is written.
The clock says 3:57
